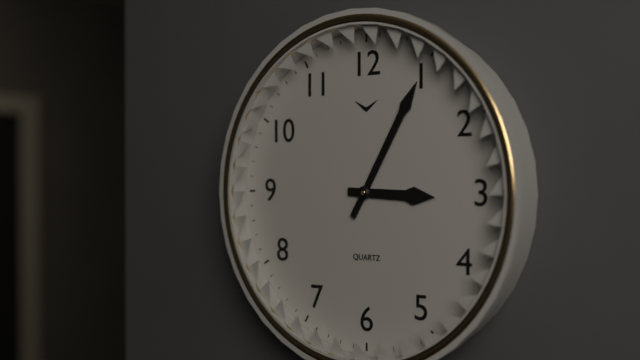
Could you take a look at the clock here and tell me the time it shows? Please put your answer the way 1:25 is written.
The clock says 3:05
